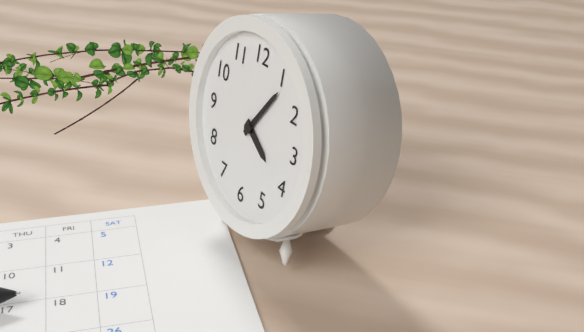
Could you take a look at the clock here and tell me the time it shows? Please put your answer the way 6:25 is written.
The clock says 4:06
